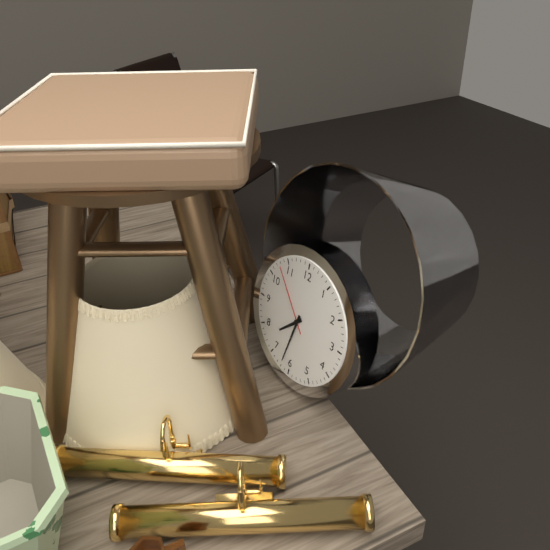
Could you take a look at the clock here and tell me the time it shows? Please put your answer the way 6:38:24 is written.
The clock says 7:32:53
